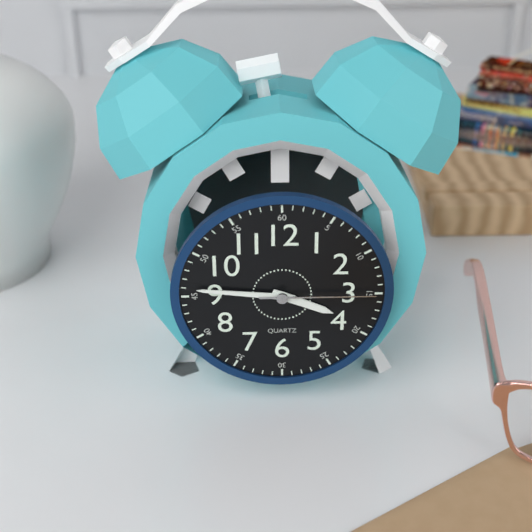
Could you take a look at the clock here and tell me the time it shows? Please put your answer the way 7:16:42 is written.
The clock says 3:46:15
